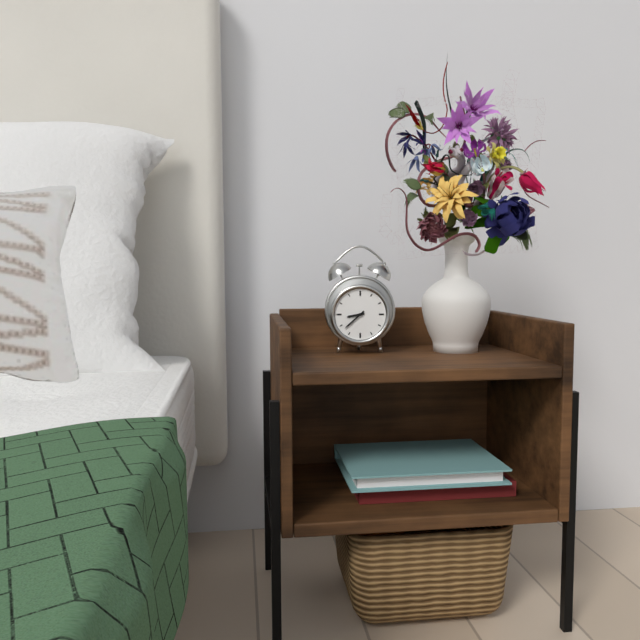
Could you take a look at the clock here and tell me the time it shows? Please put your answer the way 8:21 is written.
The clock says 8:38
